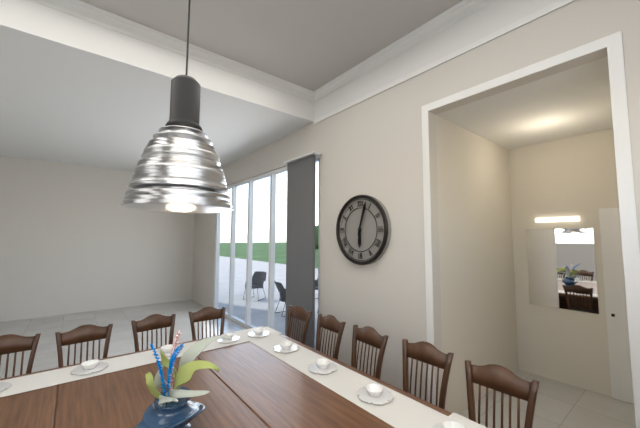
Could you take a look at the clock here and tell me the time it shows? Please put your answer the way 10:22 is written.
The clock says 6:03
